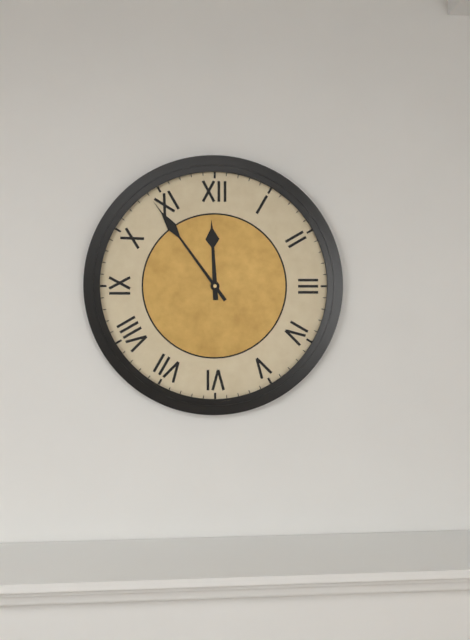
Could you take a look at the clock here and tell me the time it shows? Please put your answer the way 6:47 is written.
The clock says 11:54
